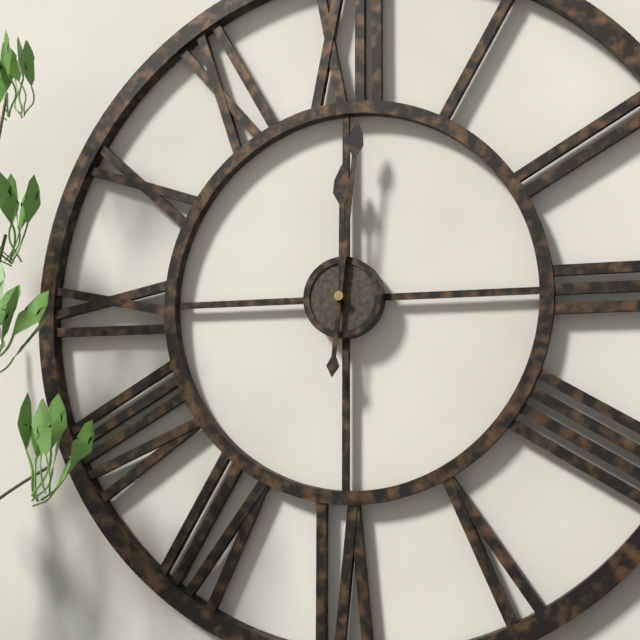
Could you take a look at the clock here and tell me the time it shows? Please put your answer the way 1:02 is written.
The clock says 12:01
